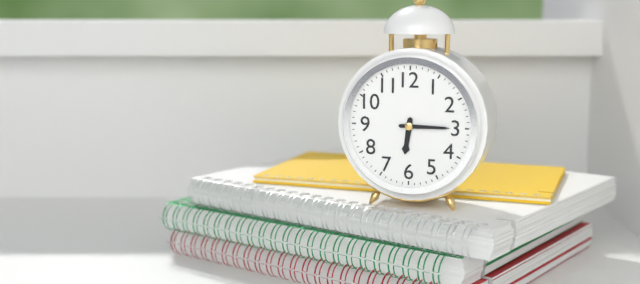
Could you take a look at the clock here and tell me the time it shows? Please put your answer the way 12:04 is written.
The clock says 6:15
